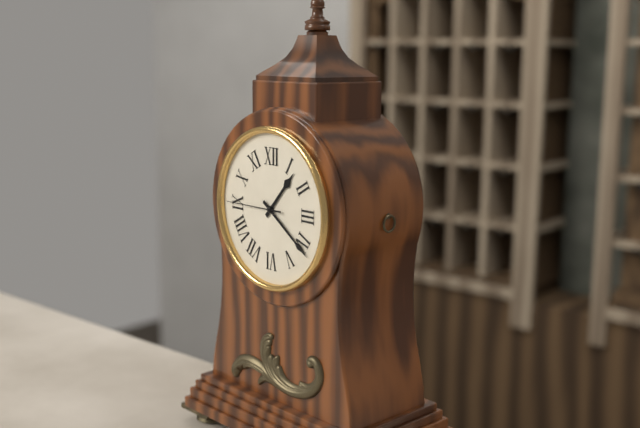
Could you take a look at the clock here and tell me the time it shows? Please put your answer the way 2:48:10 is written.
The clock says 1:21:45
